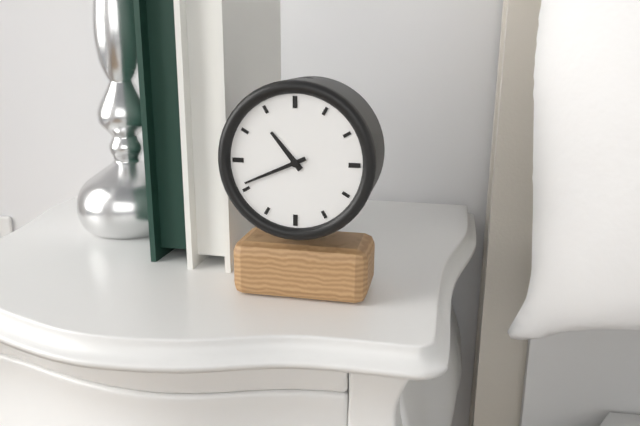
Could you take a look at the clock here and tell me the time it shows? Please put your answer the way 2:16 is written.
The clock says 10:41
